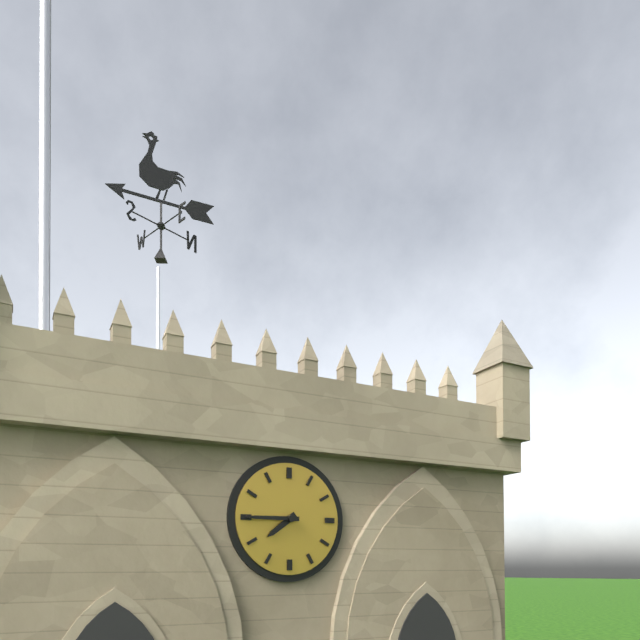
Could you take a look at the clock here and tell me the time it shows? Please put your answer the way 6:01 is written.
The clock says 7:45
